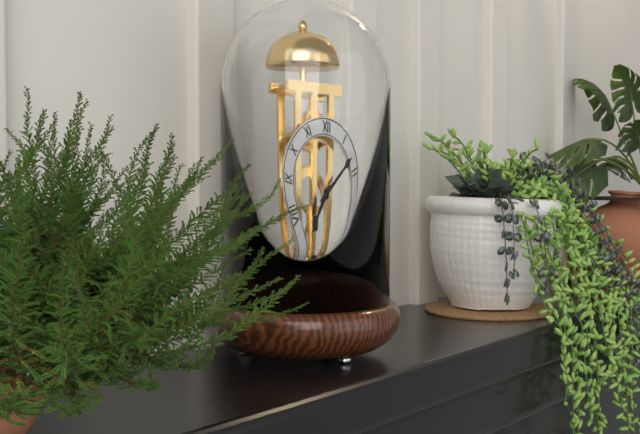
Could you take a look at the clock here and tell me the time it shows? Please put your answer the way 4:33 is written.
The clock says 7:08
